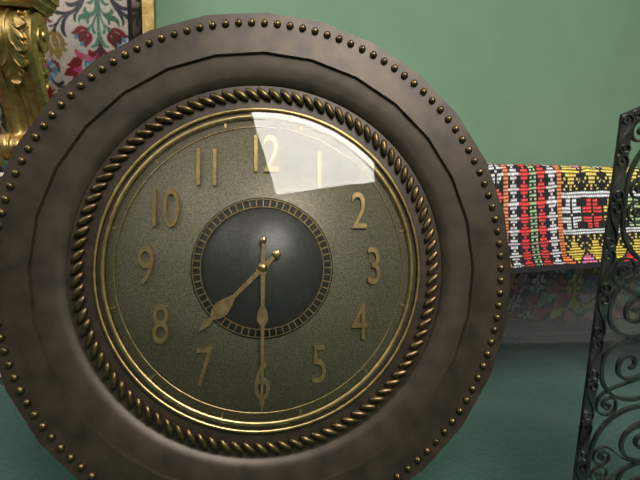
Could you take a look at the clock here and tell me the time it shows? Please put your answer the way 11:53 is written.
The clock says 7:30
